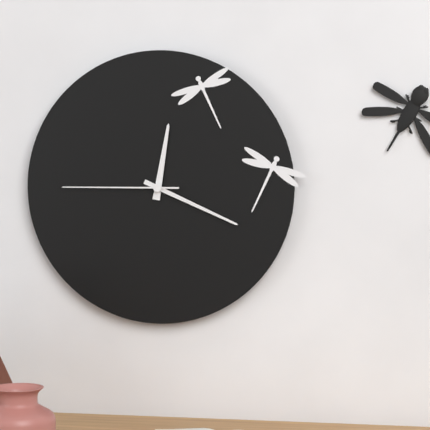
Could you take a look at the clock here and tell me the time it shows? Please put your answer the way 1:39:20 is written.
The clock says 12:19:45
